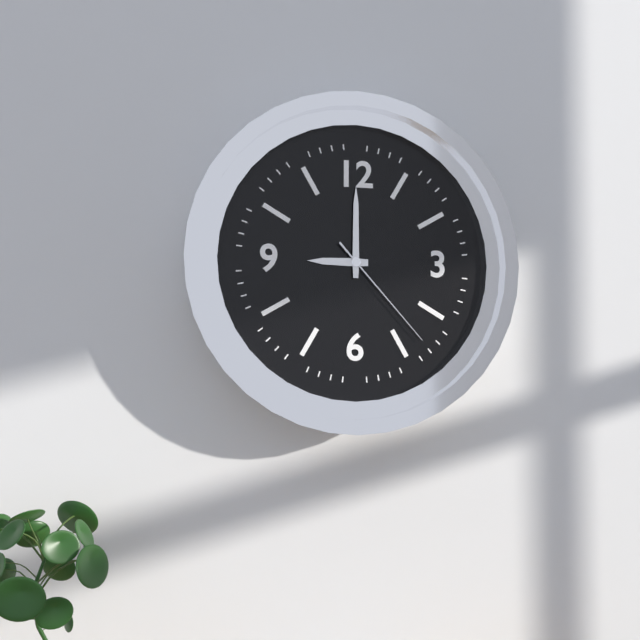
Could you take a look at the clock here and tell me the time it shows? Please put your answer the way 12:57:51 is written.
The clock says 9:00:23
